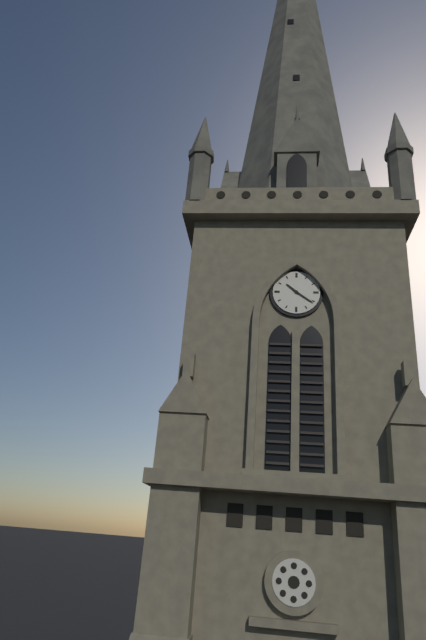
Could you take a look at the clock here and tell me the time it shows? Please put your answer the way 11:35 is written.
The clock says 10:21
